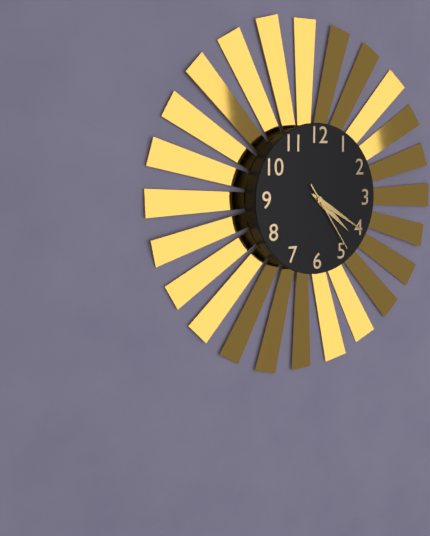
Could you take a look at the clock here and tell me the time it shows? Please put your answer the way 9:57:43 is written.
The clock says 4:20:24
